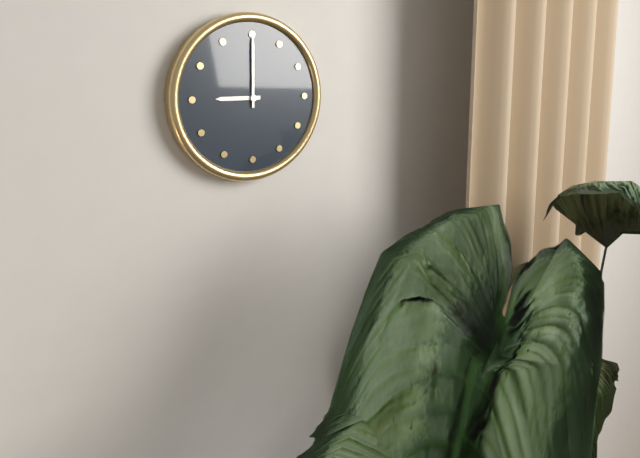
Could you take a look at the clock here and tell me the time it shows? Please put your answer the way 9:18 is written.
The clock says 9:00
